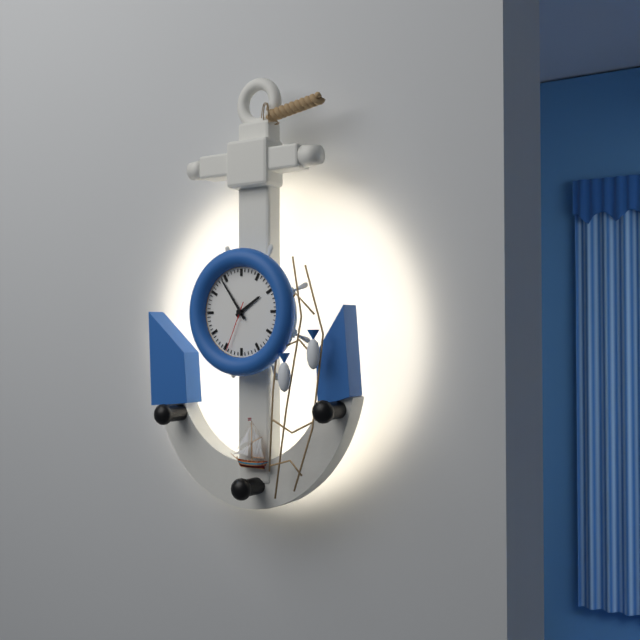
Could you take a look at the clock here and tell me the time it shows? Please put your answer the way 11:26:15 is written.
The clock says 1:54:34
